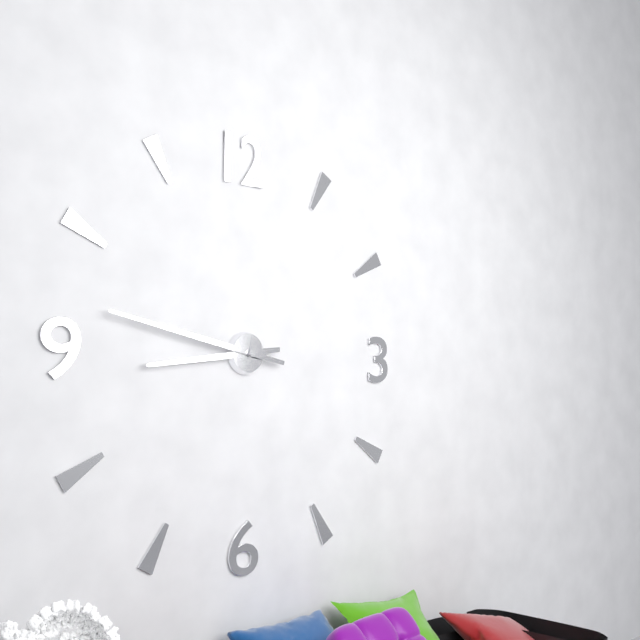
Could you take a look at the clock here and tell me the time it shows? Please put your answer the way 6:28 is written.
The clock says 8:47
